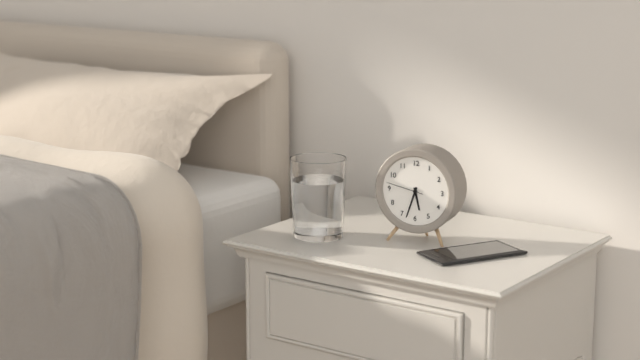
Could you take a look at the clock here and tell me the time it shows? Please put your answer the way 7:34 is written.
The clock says 5:33
